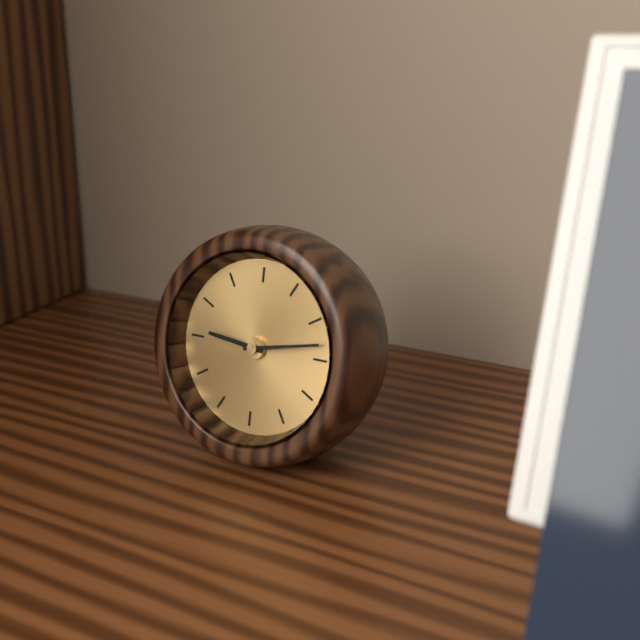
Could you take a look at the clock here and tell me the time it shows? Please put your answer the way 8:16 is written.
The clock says 9:13
